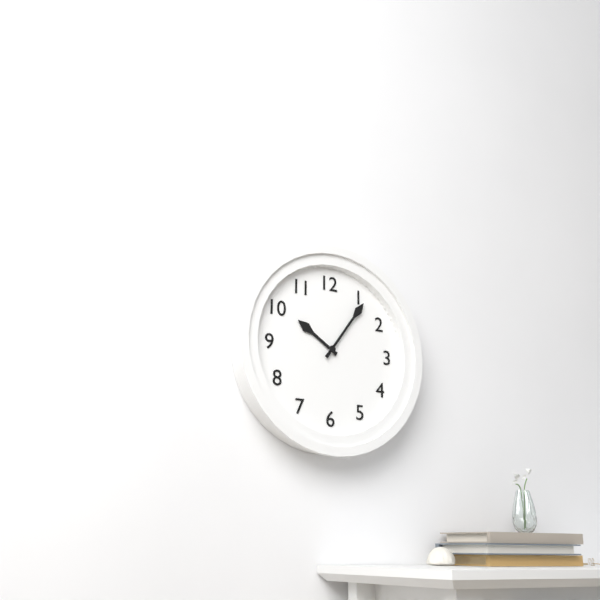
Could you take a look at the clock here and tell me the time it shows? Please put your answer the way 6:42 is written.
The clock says 10:06
